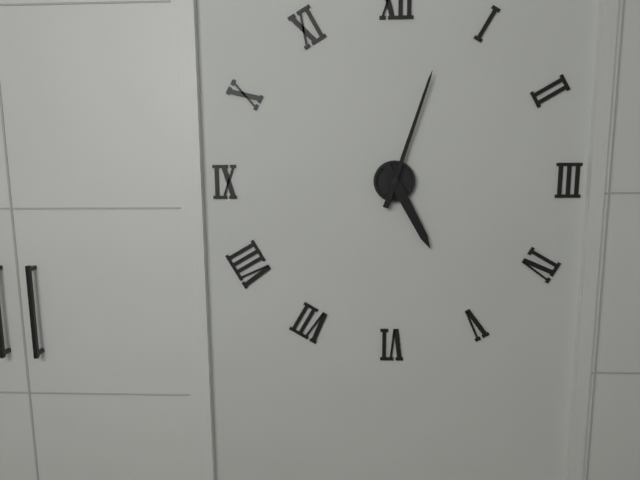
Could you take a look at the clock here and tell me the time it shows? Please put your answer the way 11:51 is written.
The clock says 5:03
